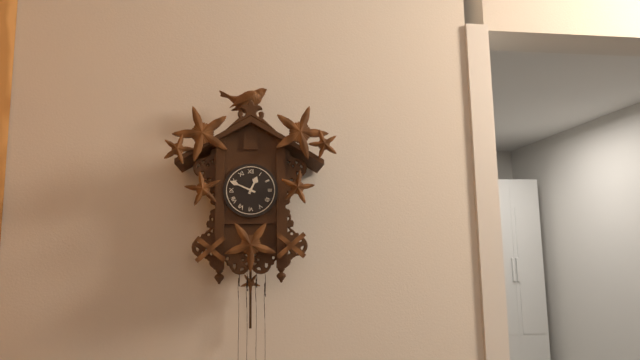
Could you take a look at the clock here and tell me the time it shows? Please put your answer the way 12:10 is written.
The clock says 12:49
